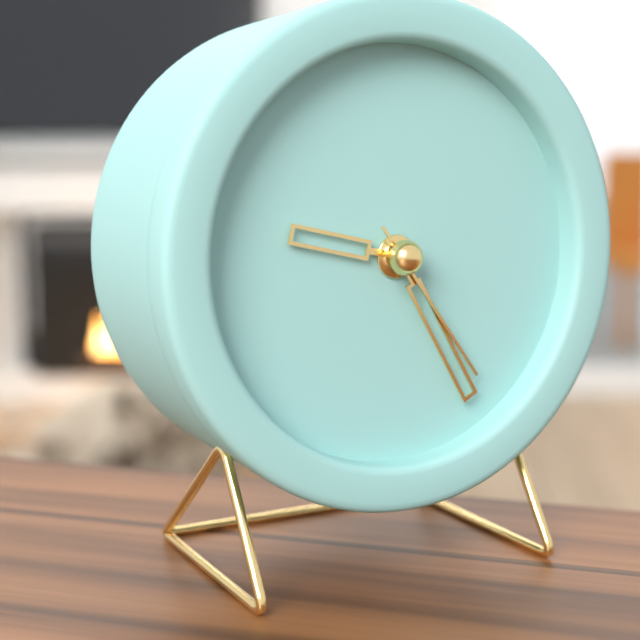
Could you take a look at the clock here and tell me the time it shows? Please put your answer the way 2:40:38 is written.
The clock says 9:25:24
